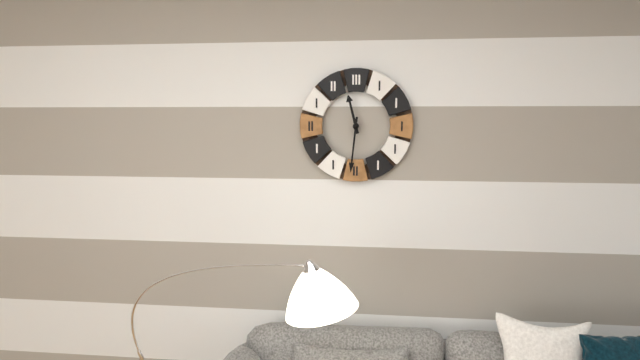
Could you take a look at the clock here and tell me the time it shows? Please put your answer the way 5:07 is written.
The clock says 11:31
